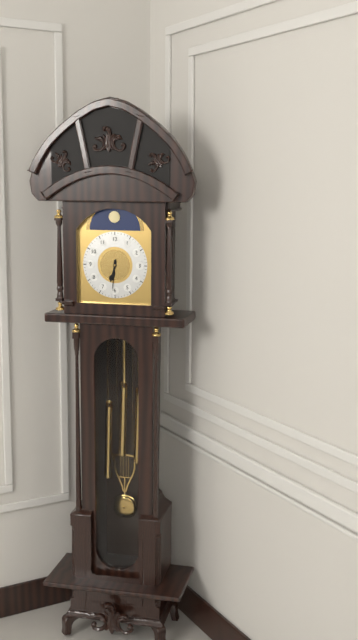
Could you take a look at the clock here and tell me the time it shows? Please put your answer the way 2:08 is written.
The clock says 6:31
